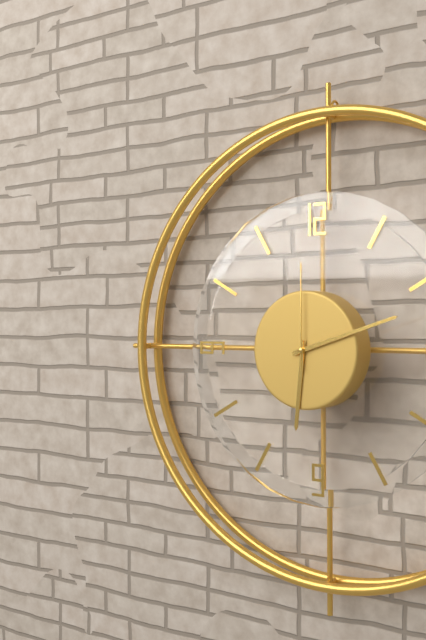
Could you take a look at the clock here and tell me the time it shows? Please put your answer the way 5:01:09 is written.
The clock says 6:12:00
